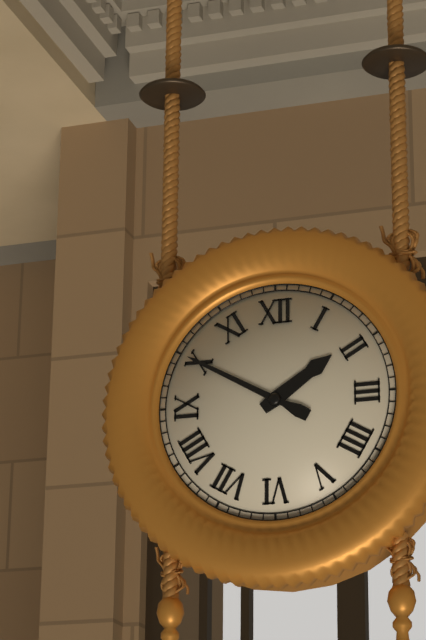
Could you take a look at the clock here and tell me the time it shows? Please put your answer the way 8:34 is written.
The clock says 1:50
